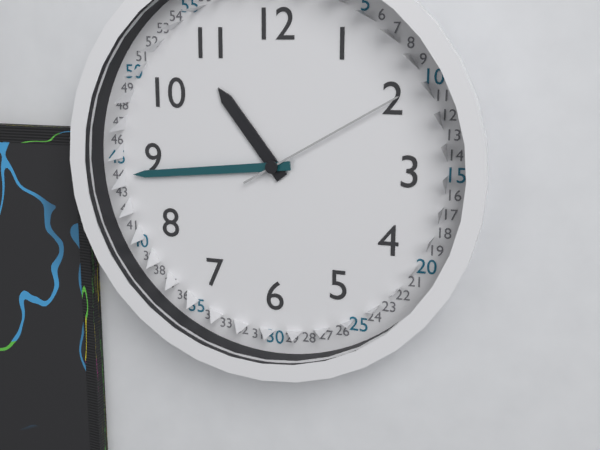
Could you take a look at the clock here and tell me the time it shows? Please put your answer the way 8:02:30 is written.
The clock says 10:44:10
